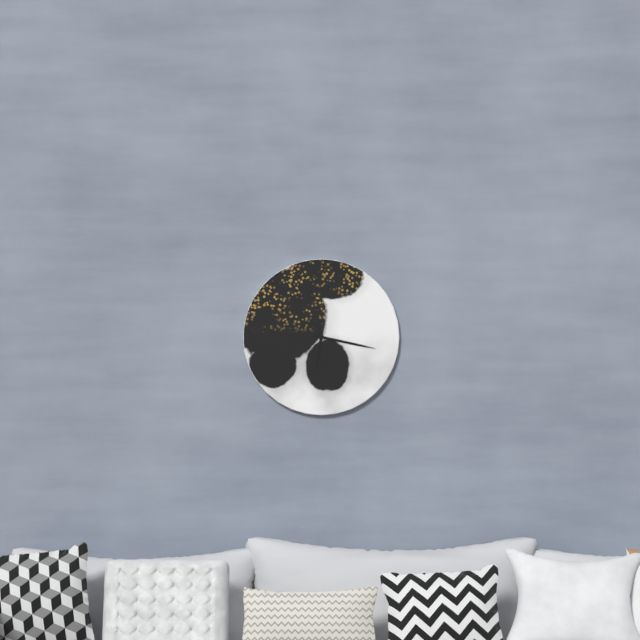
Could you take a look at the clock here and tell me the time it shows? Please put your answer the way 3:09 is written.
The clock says 6:17
